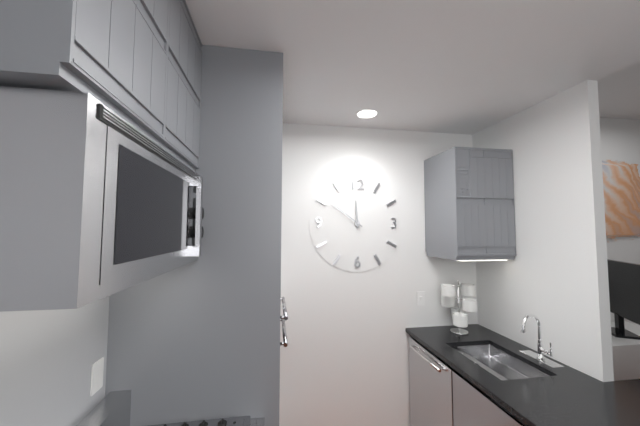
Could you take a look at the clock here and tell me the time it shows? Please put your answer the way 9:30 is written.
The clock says 11:51
